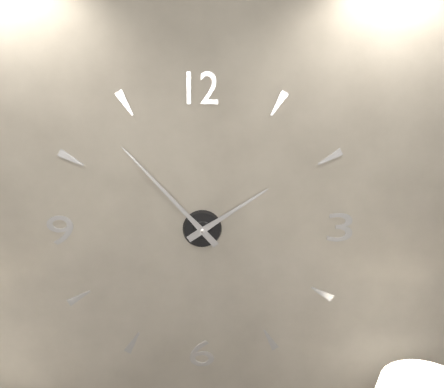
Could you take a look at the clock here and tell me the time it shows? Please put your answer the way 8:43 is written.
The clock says 1:53
